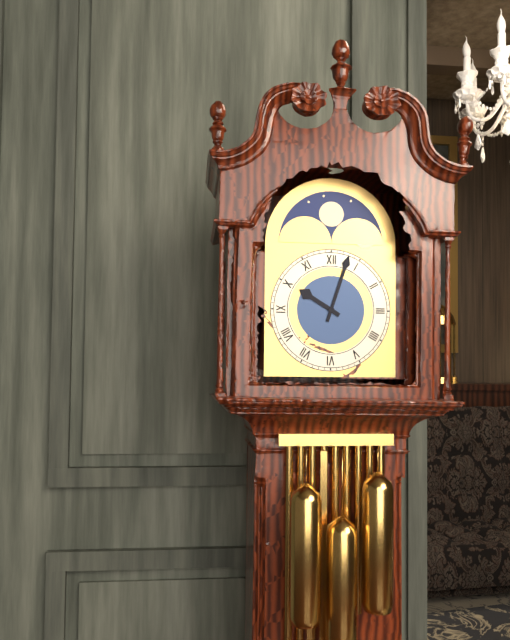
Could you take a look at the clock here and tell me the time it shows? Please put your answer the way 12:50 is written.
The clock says 10:03
